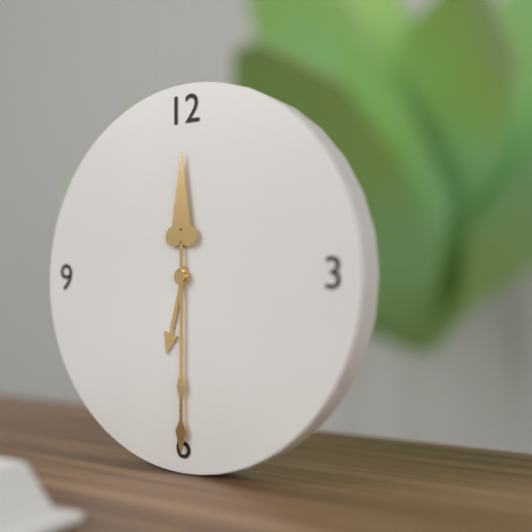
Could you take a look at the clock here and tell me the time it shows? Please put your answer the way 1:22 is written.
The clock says 6:30
